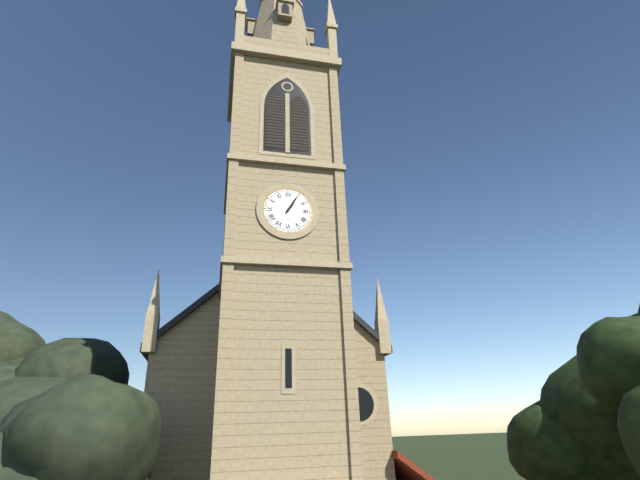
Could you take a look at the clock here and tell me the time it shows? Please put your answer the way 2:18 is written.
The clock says 1:05
